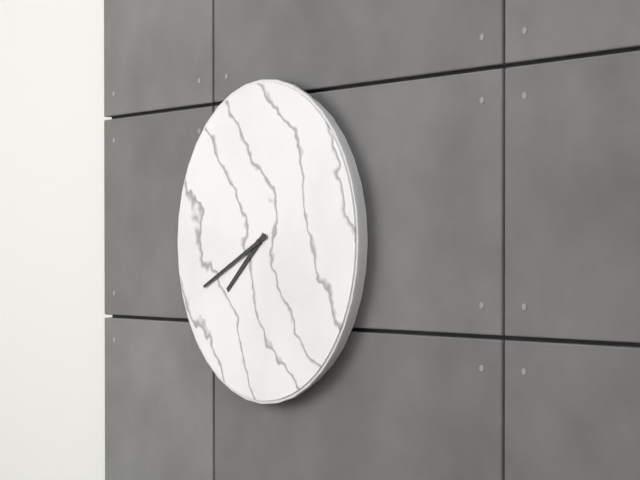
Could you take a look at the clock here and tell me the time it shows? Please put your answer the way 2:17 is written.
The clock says 7:41
